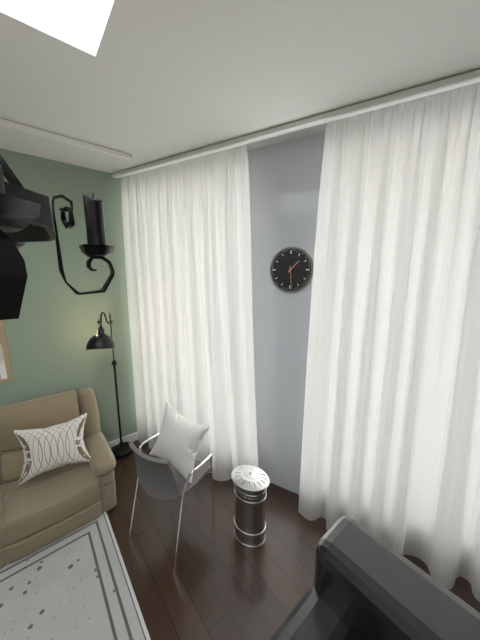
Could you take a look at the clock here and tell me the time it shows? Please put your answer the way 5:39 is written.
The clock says 1:29
